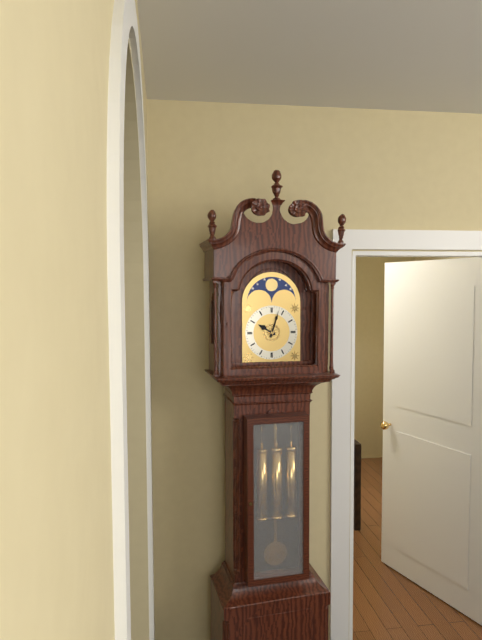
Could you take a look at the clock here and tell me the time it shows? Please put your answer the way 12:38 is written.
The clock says 10:03
